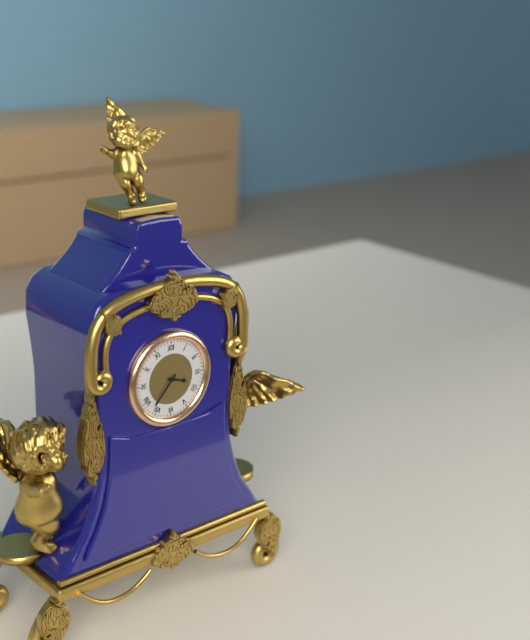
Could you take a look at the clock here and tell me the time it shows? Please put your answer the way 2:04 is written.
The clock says 3:37
